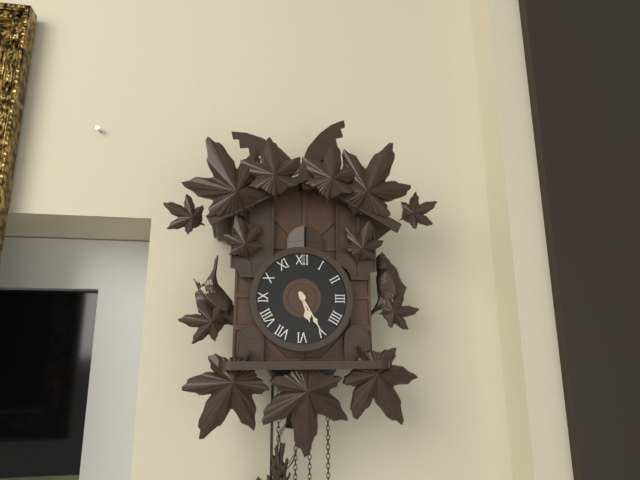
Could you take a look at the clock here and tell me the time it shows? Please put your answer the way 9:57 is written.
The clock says 5:25
